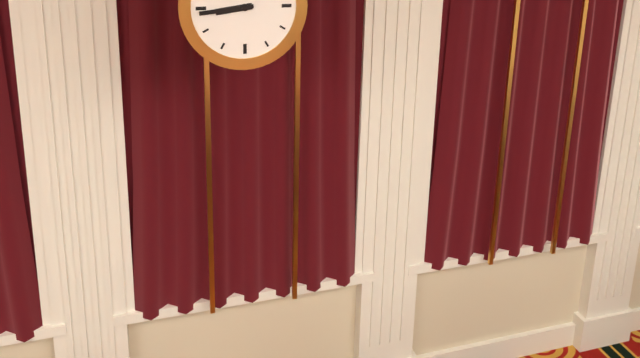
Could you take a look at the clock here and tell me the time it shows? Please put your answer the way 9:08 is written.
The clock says 8:44
